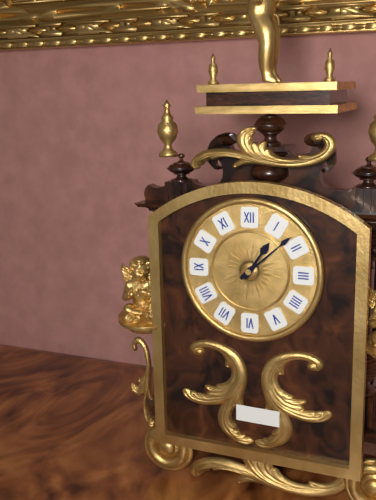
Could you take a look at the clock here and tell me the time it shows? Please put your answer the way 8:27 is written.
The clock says 1:08
